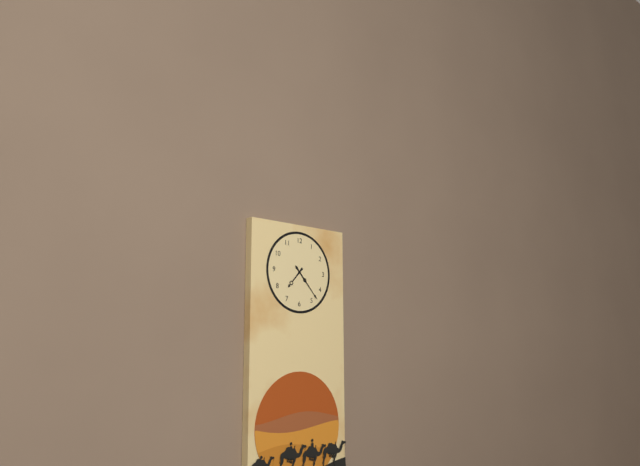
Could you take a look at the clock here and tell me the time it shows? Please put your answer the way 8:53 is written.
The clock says 7:23
